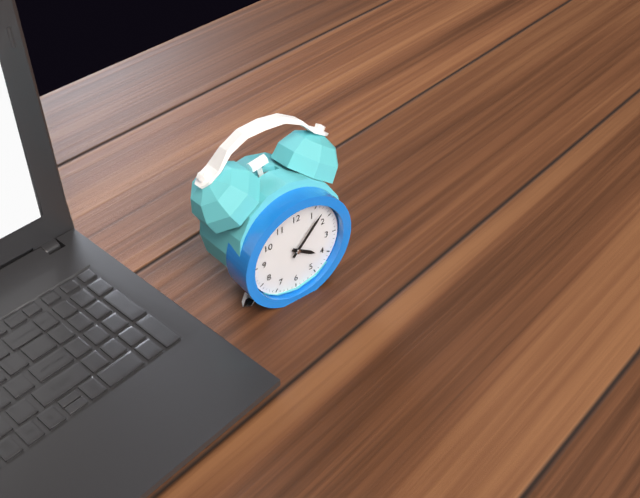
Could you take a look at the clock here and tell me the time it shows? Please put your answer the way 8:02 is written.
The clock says 4:07
